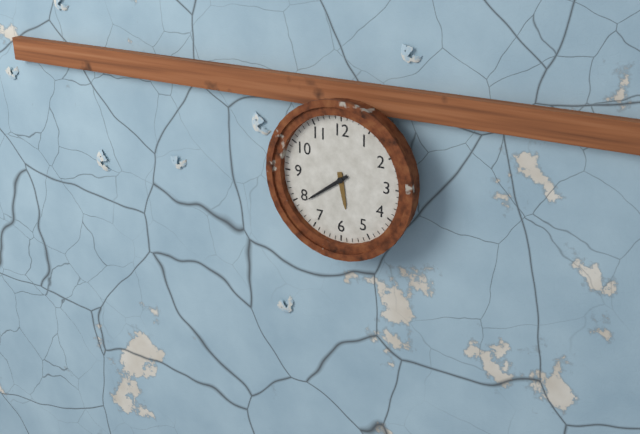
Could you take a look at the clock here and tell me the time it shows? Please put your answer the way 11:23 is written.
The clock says 5:39
